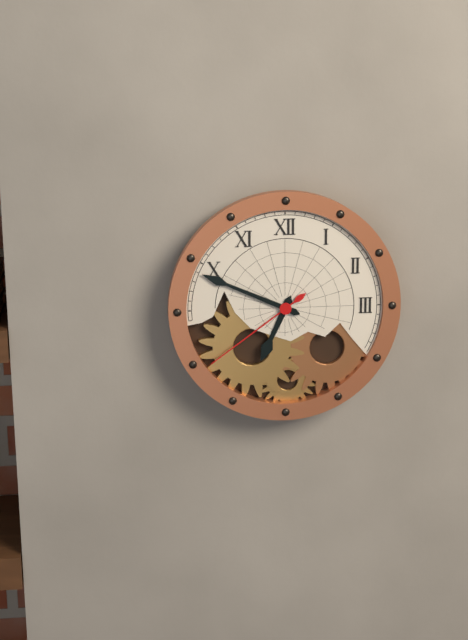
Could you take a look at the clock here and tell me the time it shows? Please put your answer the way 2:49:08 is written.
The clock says 6:49:39
